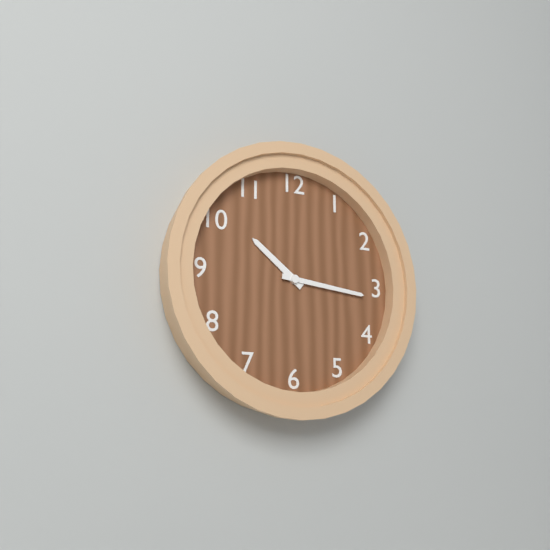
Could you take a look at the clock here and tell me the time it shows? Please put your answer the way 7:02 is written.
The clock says 10:16
